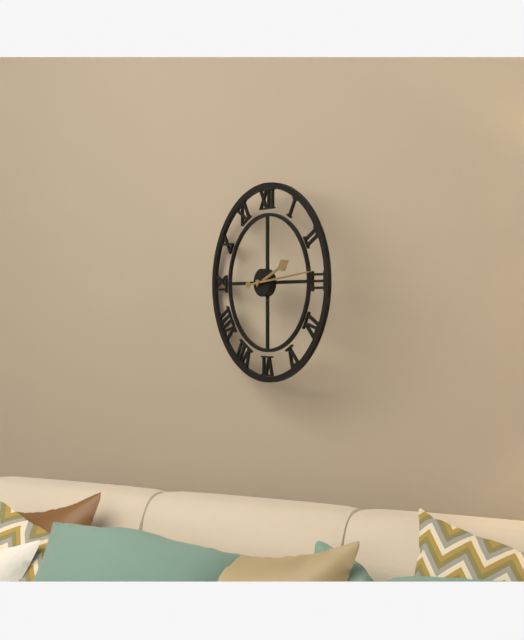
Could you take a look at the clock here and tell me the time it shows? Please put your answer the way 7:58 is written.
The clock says 2:14
